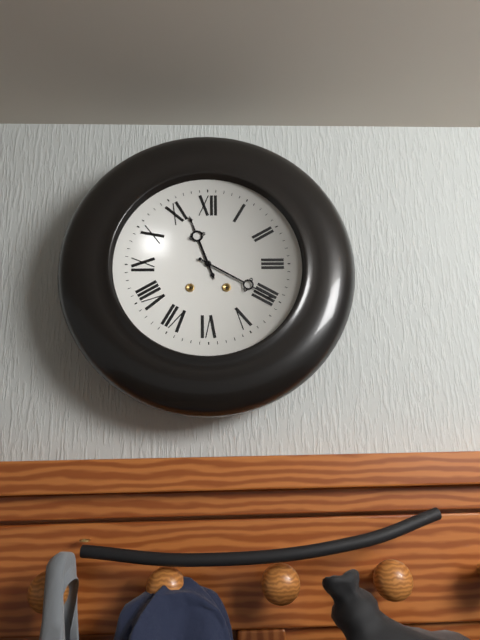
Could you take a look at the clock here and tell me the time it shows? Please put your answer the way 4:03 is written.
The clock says 11:20
